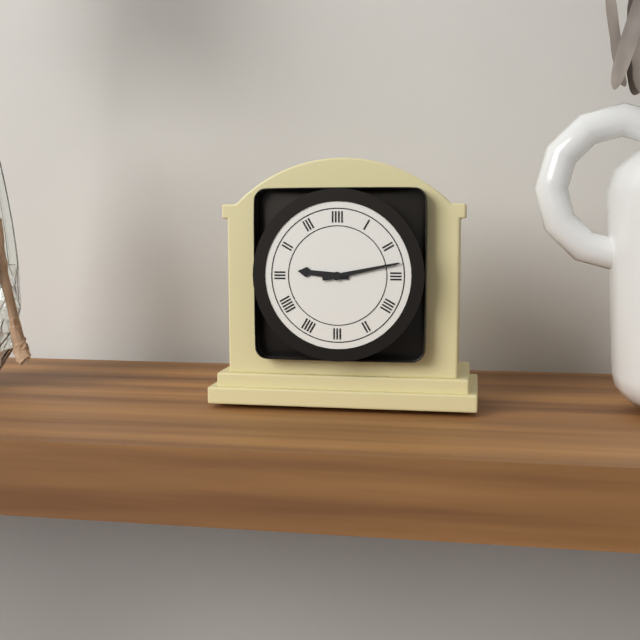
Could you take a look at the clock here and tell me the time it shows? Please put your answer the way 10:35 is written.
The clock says 9:13
